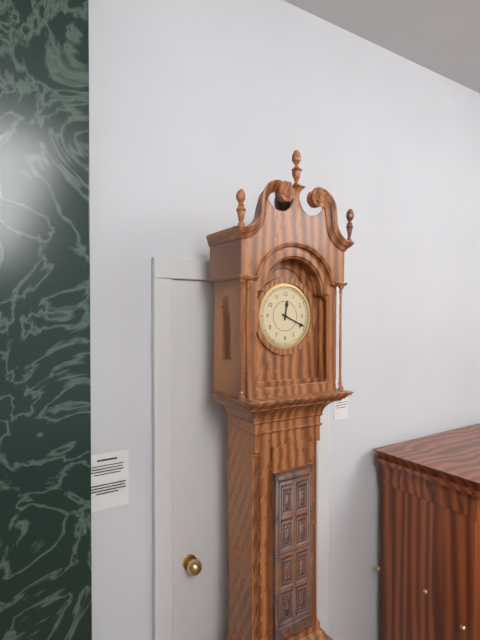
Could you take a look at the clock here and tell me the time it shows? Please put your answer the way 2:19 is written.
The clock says 12:19
